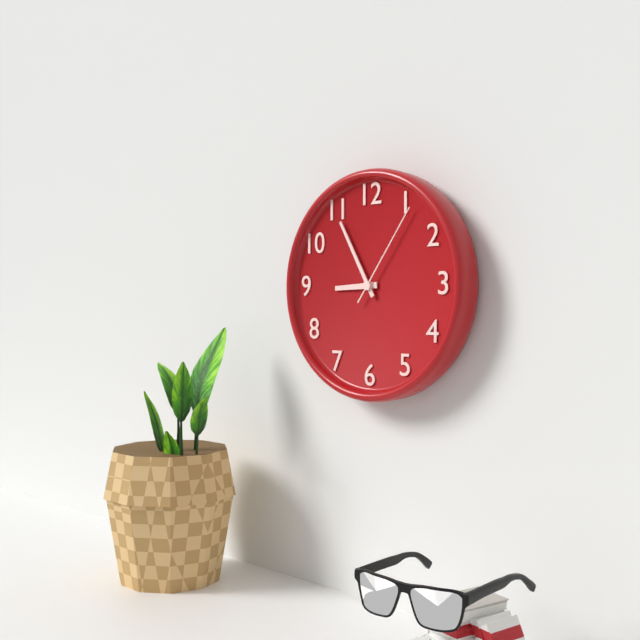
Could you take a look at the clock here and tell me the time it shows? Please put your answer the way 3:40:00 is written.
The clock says 8:55:06
